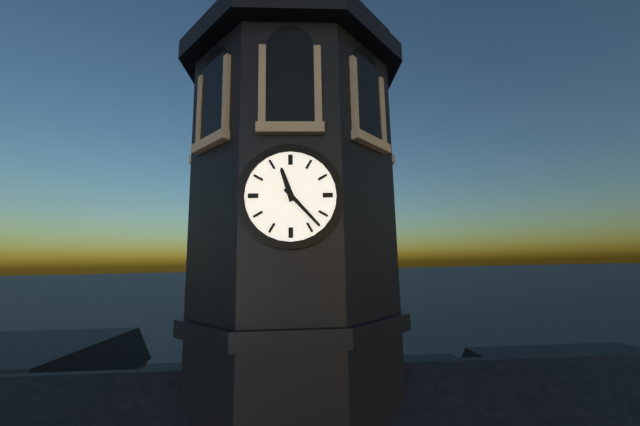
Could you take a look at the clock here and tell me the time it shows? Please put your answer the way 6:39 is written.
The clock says 11:23
